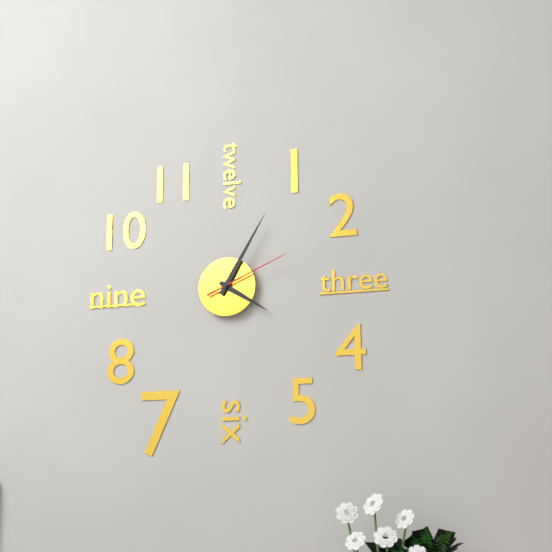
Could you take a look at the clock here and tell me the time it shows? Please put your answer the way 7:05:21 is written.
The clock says 4:05:11
